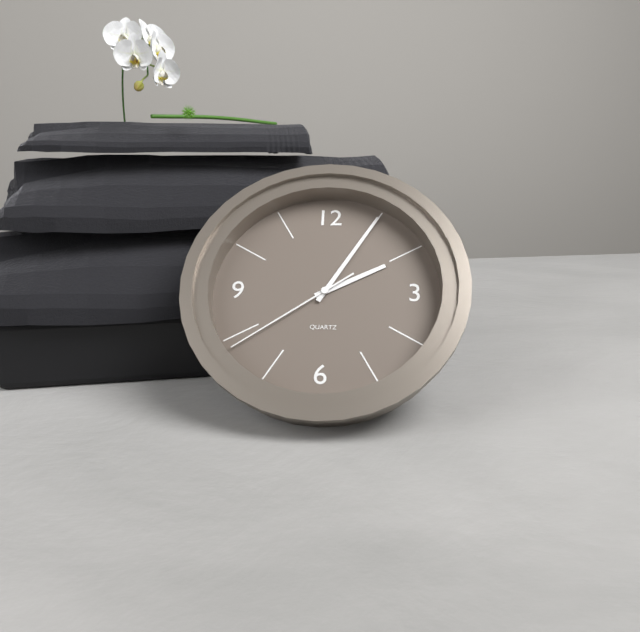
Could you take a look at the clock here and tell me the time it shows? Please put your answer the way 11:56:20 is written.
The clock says 2:05:39
